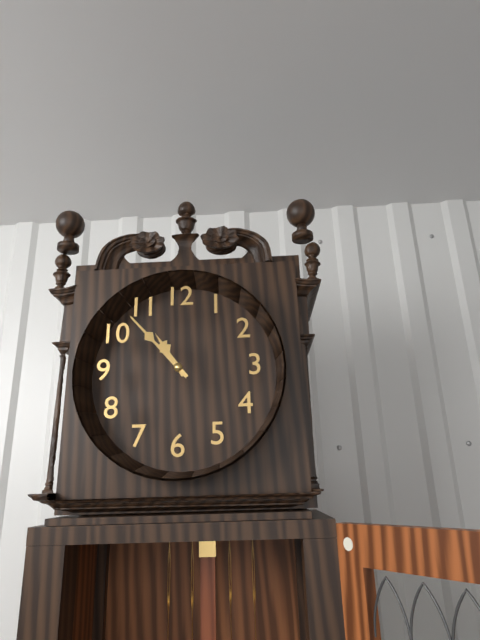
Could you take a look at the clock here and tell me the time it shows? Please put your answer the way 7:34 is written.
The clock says 10:53
